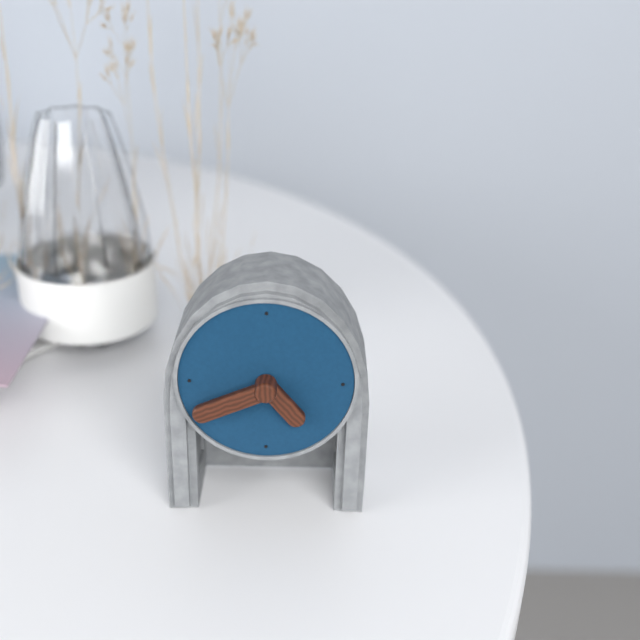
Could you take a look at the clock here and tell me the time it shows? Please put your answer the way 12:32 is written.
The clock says 4:41
